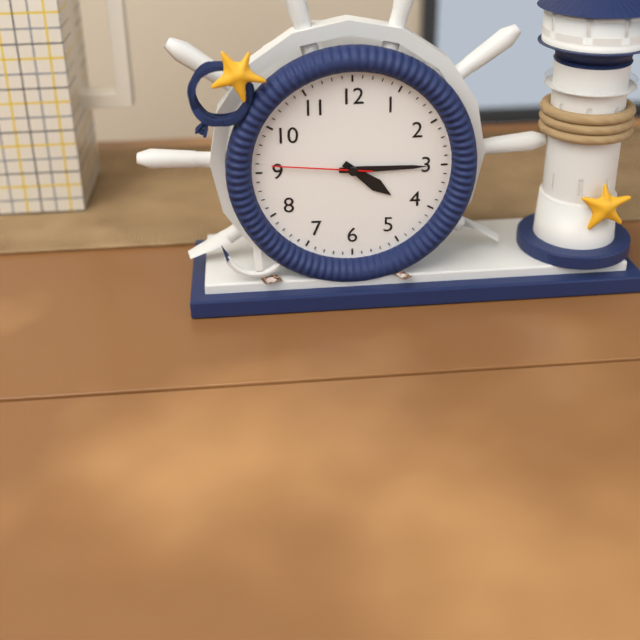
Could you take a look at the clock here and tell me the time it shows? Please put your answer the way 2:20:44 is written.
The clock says 4:15:46
